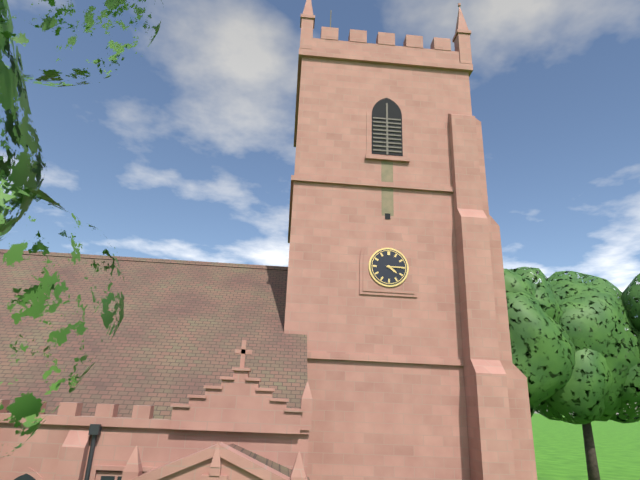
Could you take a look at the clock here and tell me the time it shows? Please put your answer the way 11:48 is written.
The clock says 4:15
